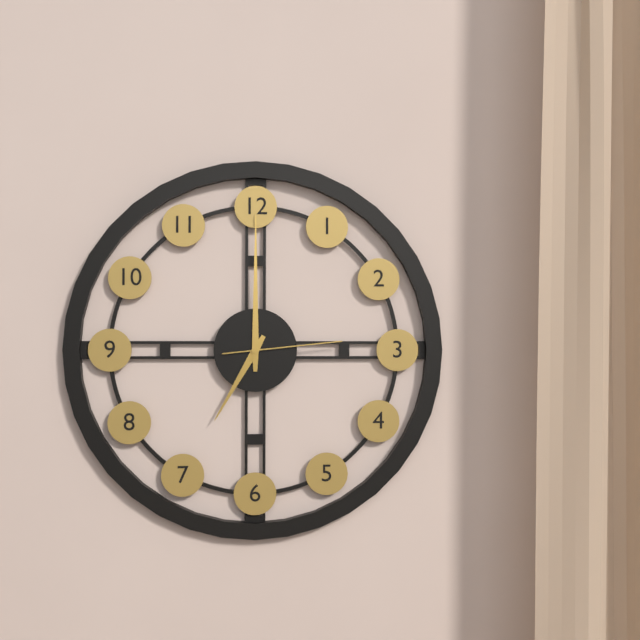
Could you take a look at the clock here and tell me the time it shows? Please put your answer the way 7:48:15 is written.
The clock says 7:00:14
